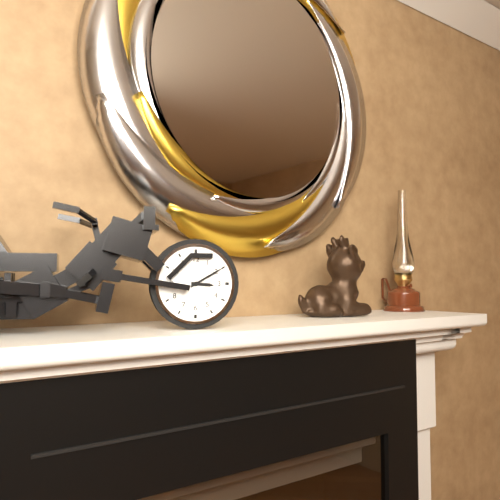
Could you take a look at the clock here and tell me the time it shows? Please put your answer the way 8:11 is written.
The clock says 3:10
